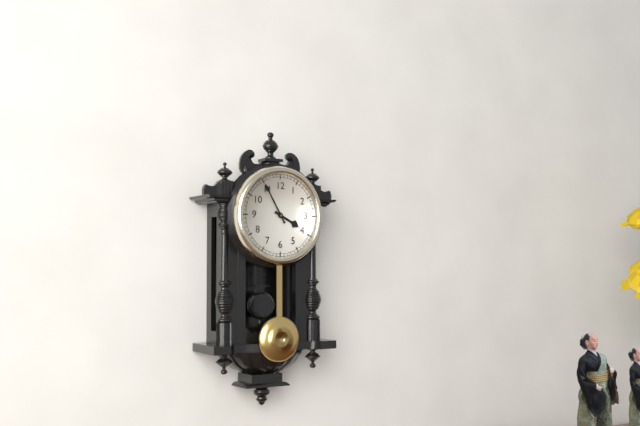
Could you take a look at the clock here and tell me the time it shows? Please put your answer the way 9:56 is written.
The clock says 3:55
